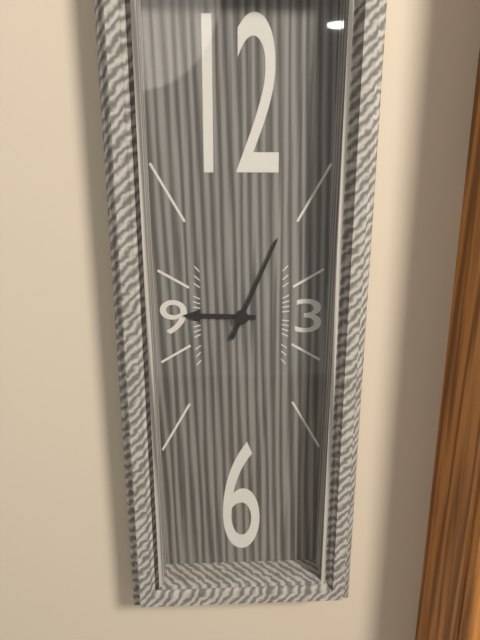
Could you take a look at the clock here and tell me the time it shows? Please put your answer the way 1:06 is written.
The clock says 9:04
